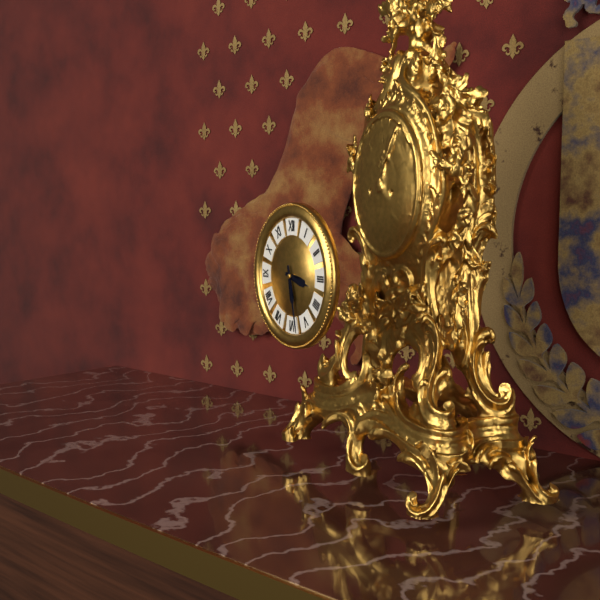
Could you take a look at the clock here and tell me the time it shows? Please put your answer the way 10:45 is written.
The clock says 3:28
